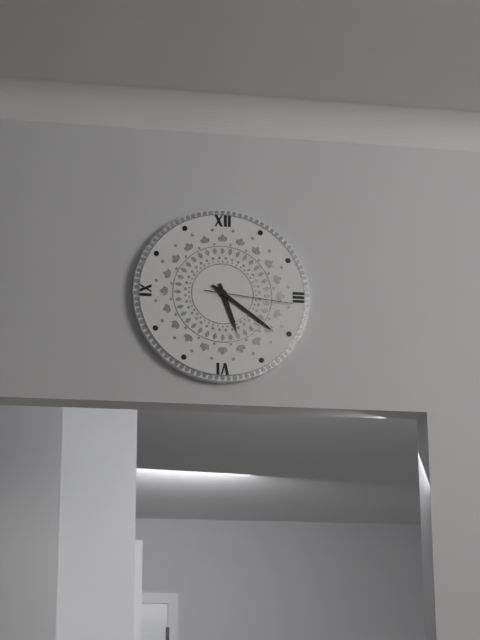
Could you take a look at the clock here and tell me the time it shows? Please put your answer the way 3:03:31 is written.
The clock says 5:21:16
